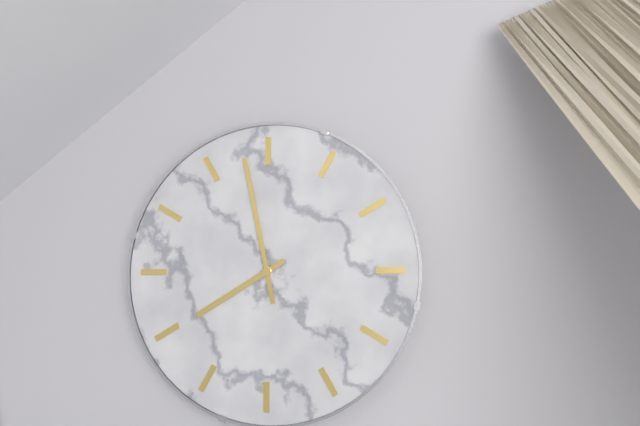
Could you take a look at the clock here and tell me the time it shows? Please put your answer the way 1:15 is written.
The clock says 7:58
